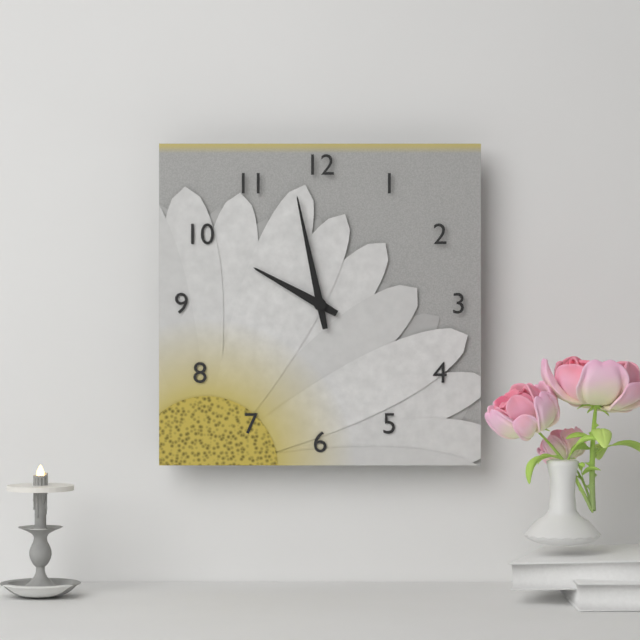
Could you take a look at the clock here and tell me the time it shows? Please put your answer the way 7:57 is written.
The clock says 9:58
